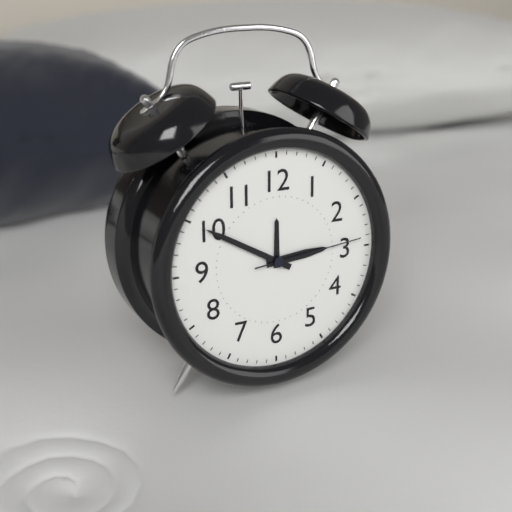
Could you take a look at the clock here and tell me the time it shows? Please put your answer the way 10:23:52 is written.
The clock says 2:50:14
